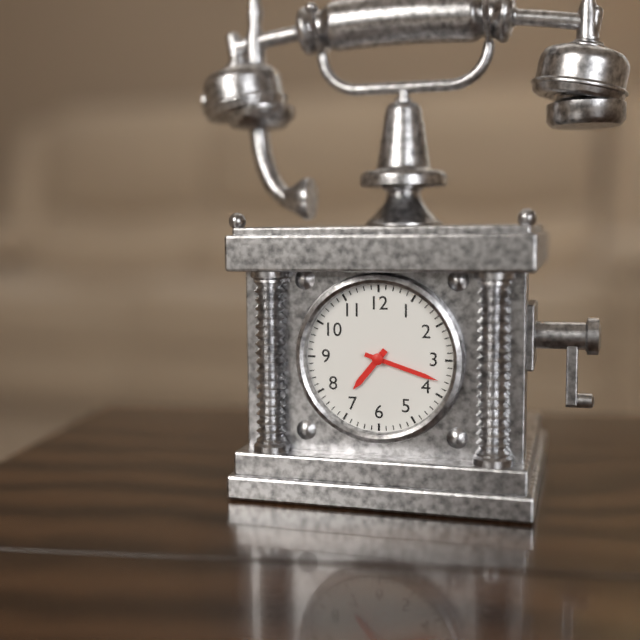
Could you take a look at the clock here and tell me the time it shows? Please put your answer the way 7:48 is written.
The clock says 7:18
